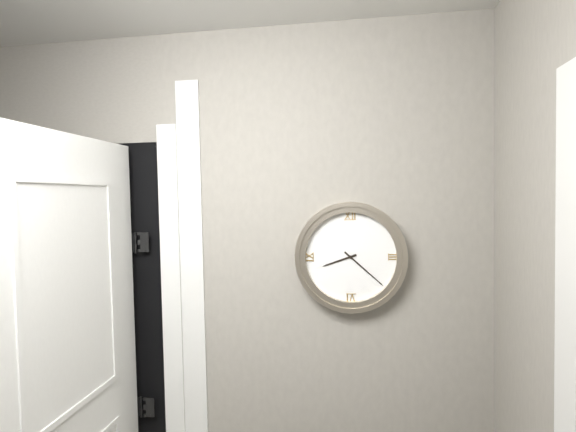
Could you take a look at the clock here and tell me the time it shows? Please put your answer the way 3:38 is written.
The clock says 8:22
